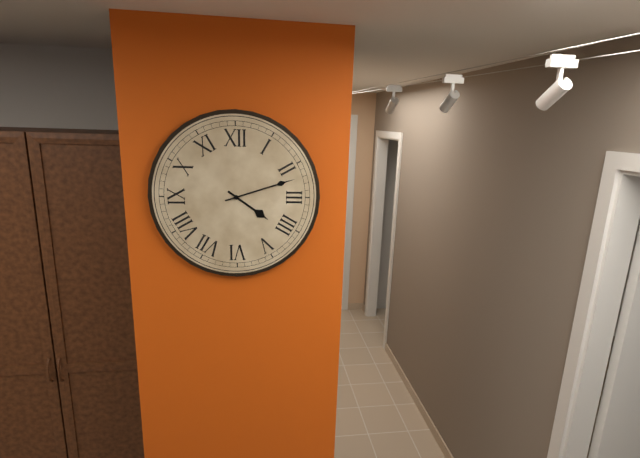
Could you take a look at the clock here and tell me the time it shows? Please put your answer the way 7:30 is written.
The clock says 4:12
